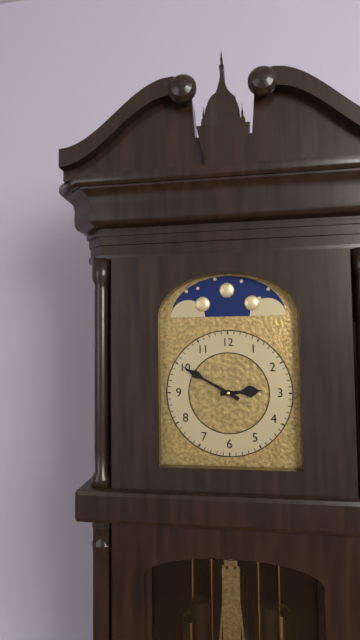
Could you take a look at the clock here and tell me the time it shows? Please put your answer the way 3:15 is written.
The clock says 2:50
